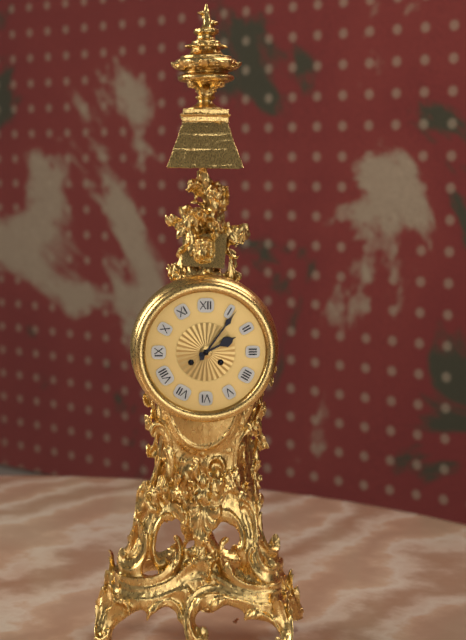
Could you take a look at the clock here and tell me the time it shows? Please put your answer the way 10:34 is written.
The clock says 2:06
